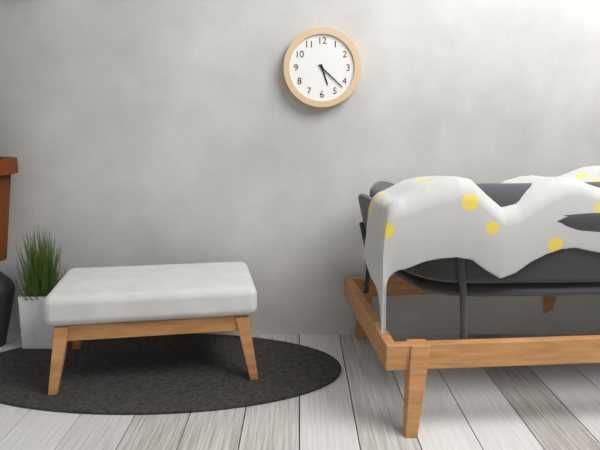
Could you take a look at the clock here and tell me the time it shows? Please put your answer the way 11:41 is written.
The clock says 5:22
